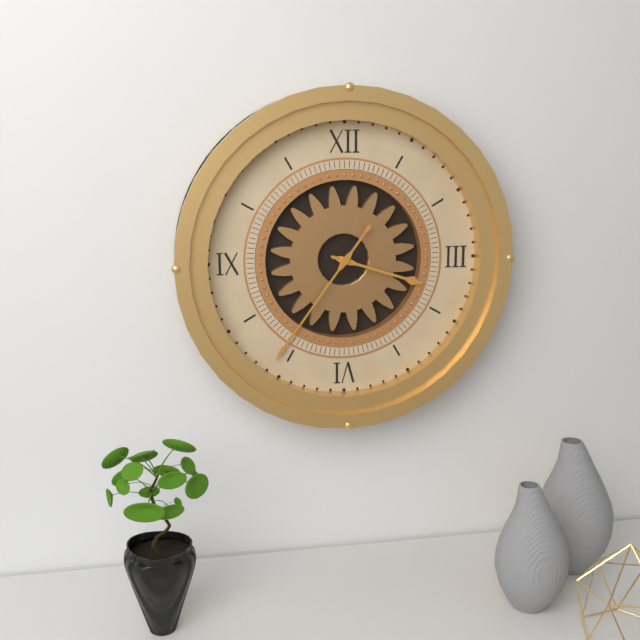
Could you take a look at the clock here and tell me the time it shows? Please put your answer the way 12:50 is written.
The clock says 3:36
